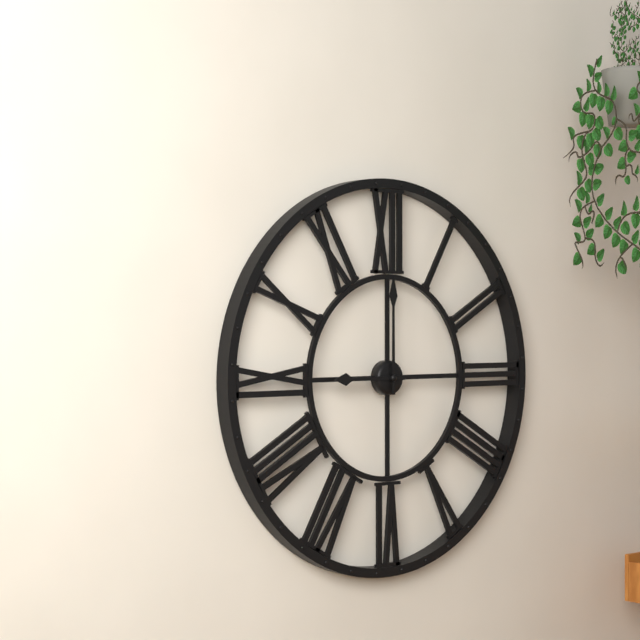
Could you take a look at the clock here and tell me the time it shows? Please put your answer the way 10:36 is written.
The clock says 9:00
